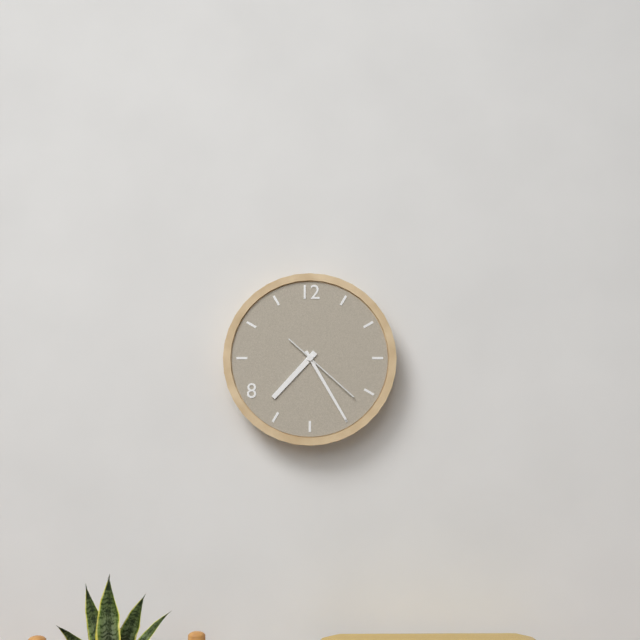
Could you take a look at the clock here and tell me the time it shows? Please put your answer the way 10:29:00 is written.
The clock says 7:25:22
